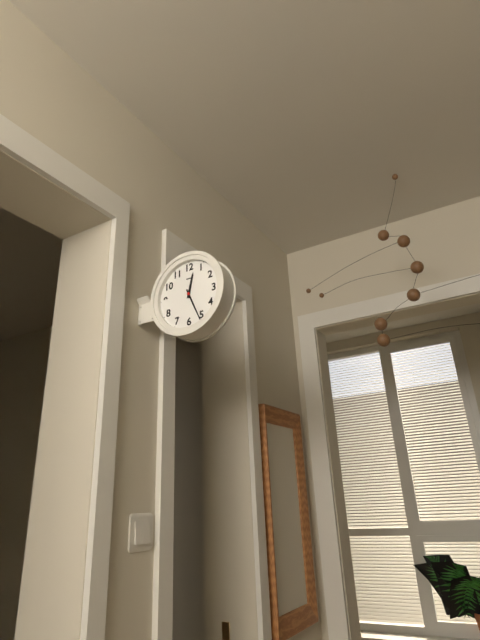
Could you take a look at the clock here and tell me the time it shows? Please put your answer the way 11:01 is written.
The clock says 12:26
